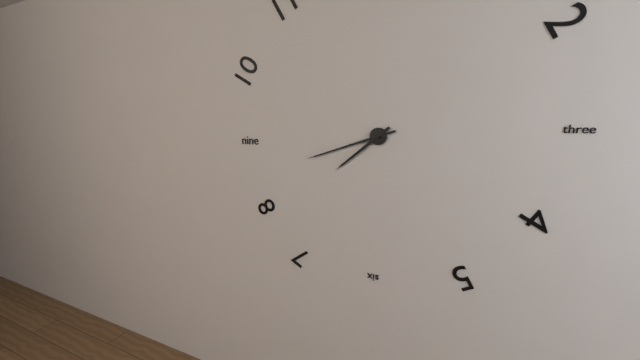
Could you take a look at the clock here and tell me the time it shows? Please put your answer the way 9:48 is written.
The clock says 7:42
